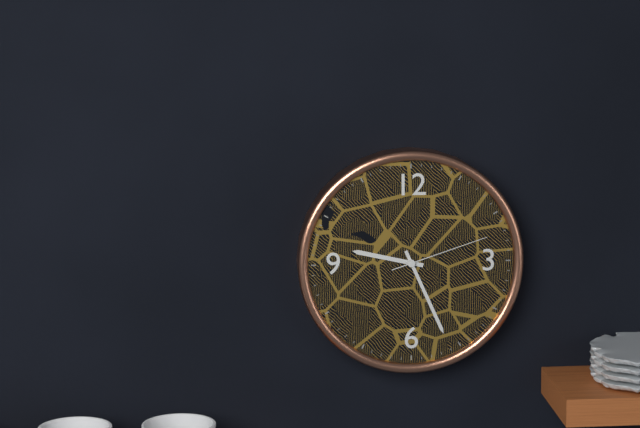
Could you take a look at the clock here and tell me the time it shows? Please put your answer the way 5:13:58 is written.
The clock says 9:26:12
